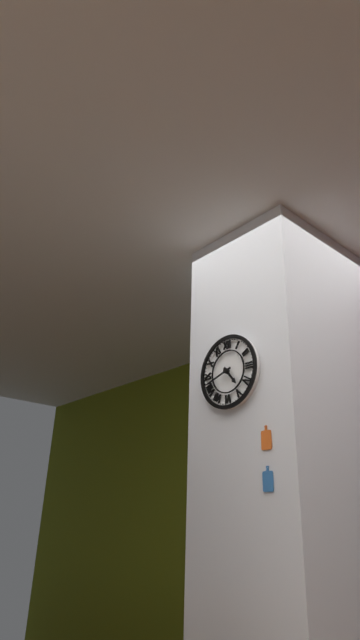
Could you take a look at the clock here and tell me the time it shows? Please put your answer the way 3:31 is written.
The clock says 4:42
